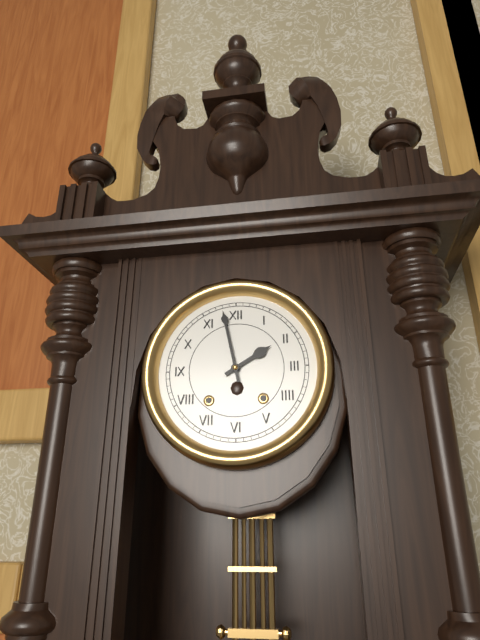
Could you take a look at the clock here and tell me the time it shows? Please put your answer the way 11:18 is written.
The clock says 1:58
